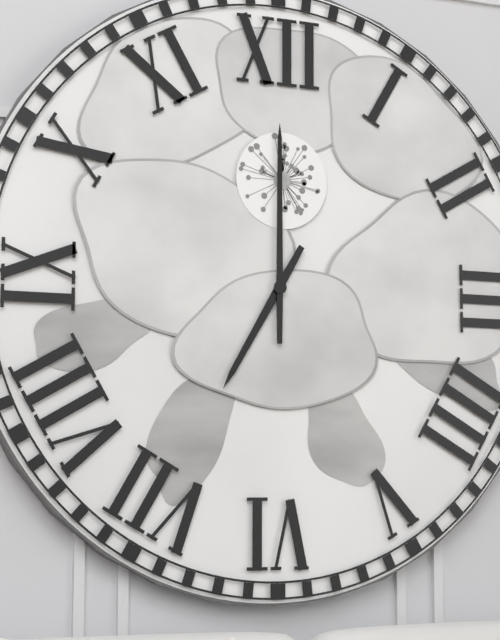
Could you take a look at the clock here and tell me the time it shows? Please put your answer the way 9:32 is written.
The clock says 7:00
